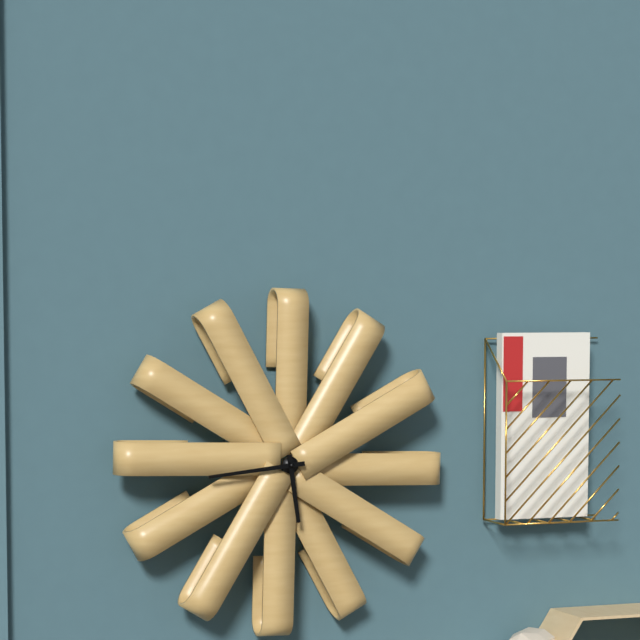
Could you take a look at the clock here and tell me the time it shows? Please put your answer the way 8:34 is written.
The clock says 5:44
